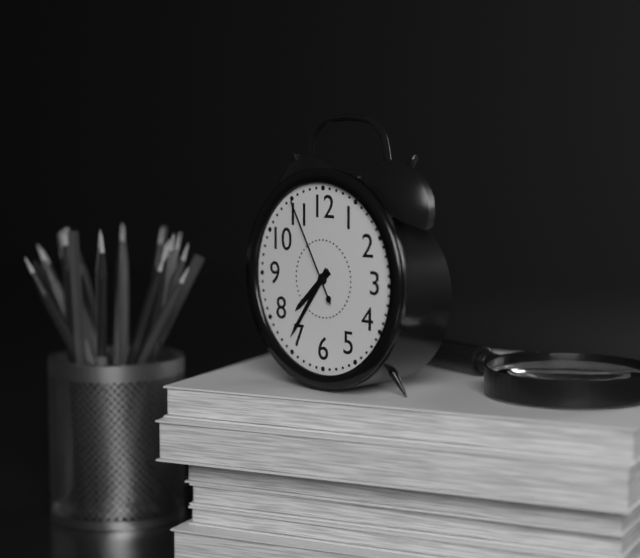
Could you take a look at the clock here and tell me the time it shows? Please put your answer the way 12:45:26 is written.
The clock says 7:36:55
